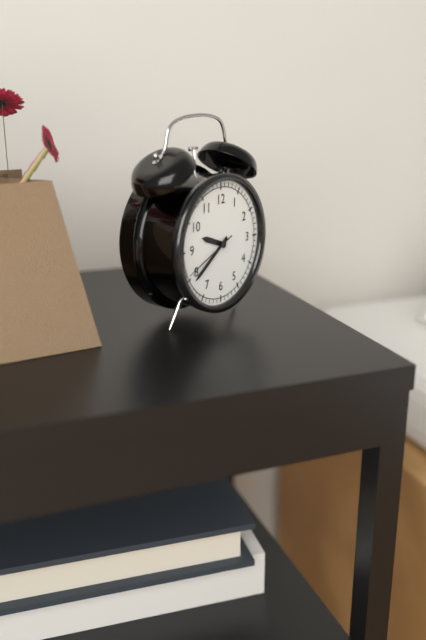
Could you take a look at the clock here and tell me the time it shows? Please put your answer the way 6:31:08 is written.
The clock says 9:39:41
